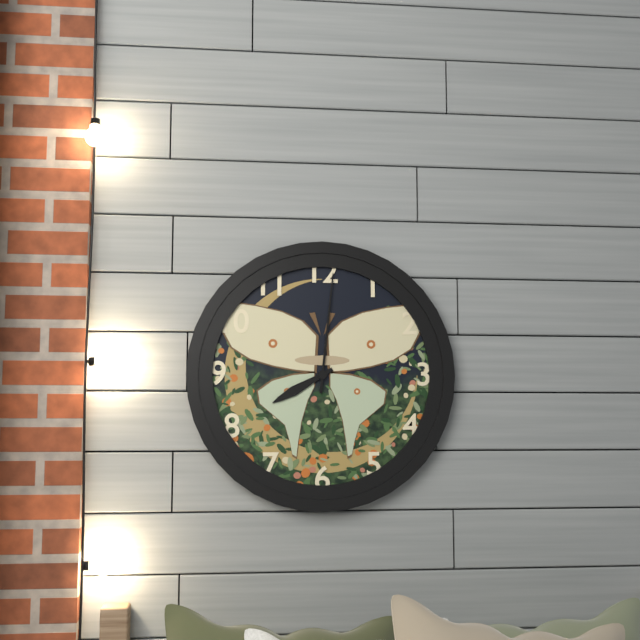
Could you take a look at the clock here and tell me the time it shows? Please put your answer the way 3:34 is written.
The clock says 8:01
